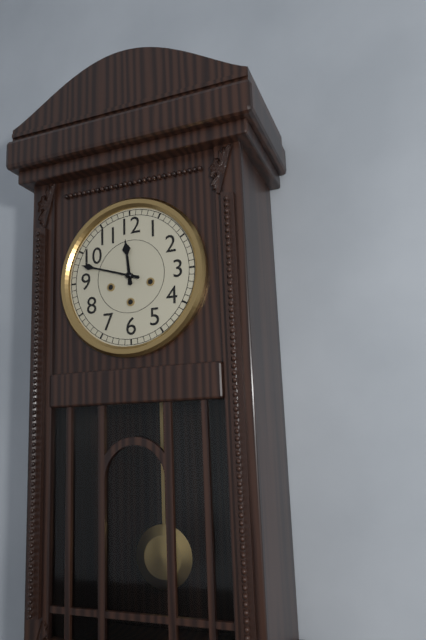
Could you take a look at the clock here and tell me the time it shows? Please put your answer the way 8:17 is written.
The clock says 11:48
